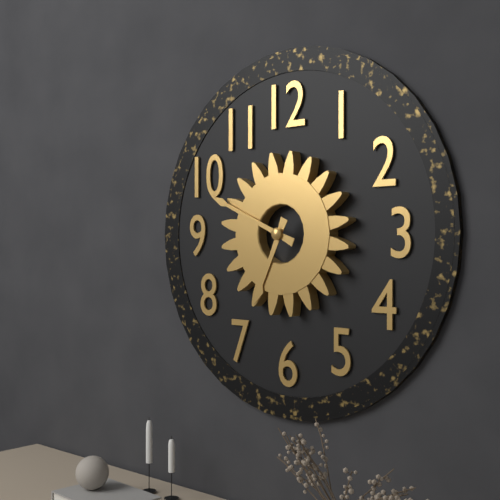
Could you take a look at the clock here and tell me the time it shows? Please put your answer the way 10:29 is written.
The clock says 6:49
